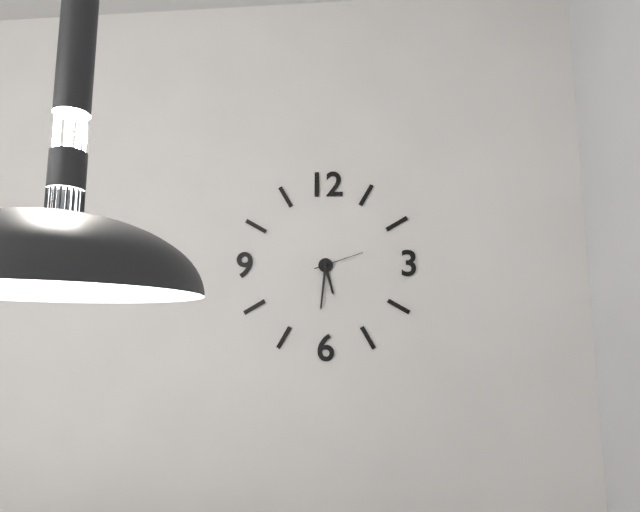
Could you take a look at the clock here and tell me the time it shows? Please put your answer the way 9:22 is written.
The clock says 5:31
